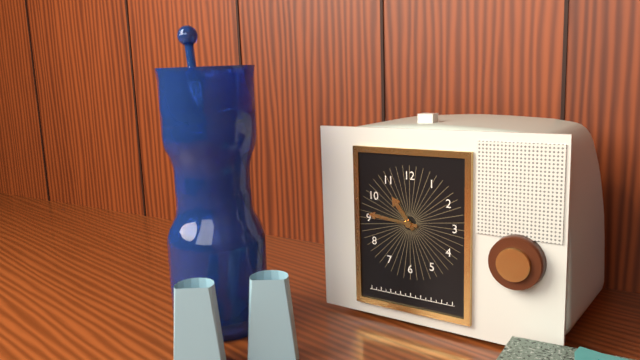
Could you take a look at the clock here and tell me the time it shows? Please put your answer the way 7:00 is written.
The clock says 10:46
